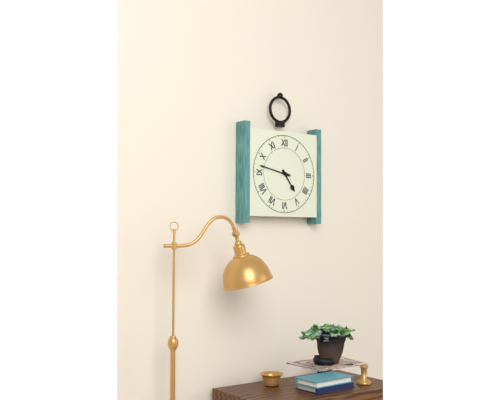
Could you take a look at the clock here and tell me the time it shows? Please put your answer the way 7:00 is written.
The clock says 4:47
